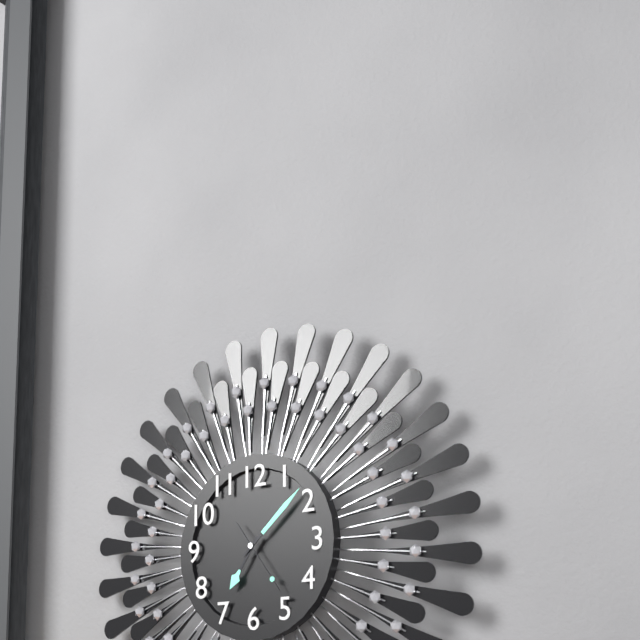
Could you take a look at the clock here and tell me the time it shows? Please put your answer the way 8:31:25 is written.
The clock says 7:08:24
